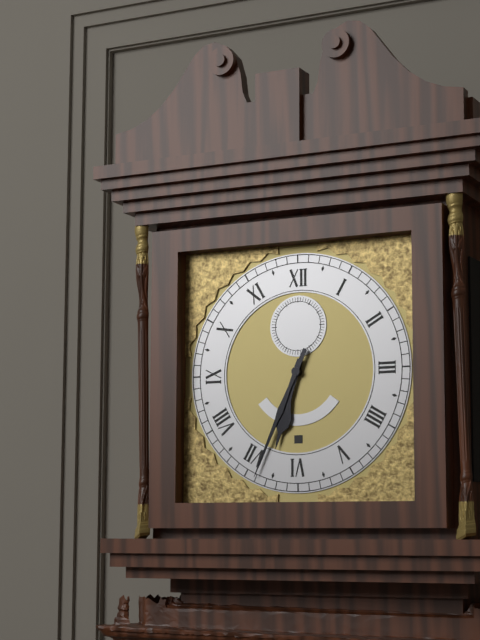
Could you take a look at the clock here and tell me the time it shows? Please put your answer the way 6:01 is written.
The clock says 6:34
